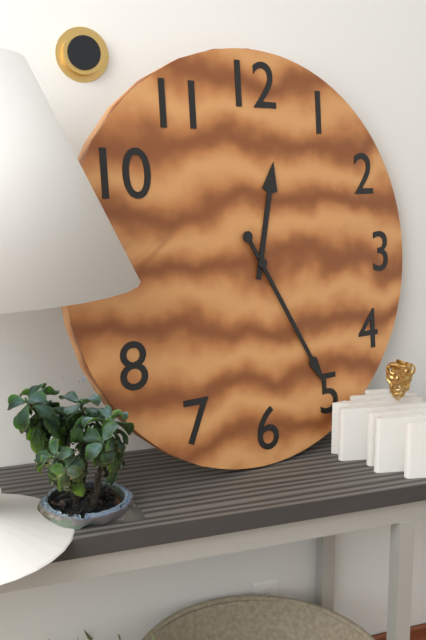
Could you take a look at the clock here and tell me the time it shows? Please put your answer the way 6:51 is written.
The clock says 12:25
